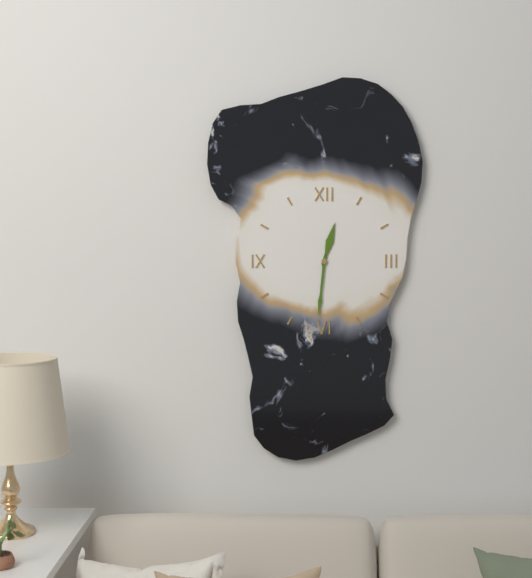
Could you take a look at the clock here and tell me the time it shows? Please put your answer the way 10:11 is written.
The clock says 12:31
